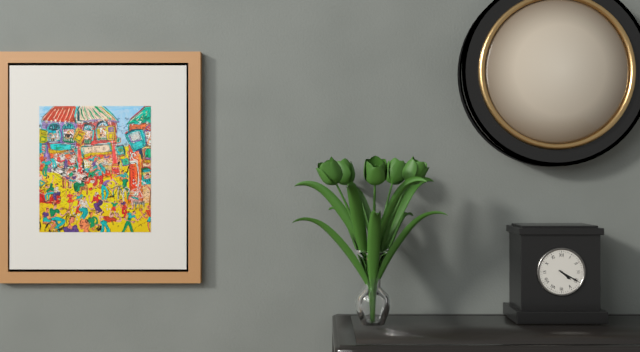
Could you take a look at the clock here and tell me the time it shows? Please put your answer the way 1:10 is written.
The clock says 4:20
